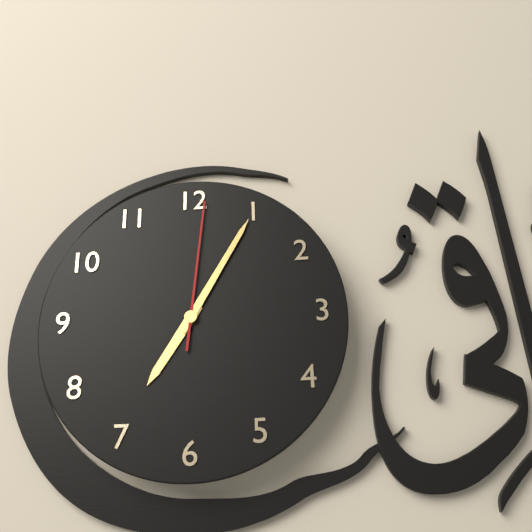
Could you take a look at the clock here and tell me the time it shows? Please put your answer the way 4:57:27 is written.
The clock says 7:05:01
